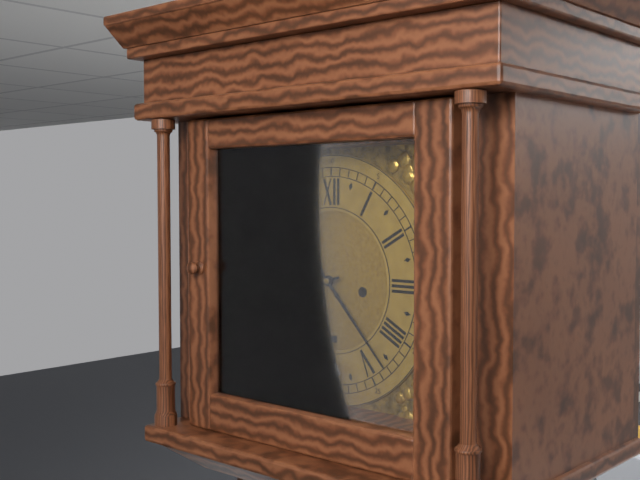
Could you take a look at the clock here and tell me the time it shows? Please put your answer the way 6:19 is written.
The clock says 8:23
